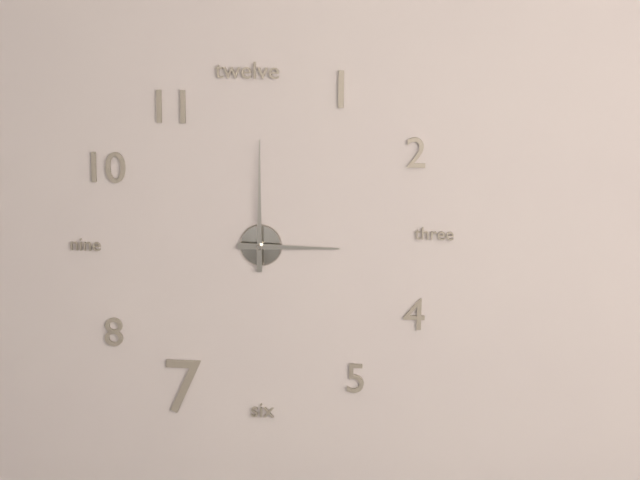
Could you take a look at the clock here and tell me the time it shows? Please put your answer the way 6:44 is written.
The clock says 3:00
